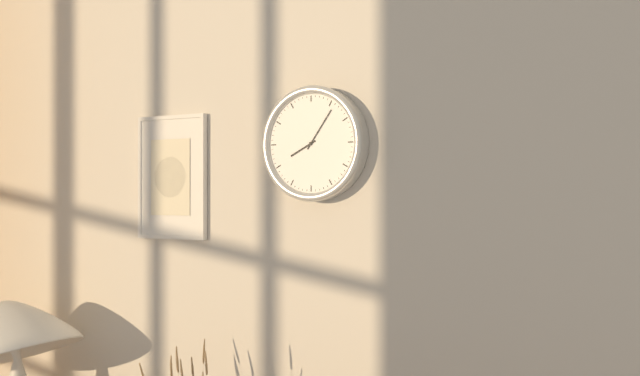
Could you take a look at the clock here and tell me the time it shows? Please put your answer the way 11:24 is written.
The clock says 8:06
